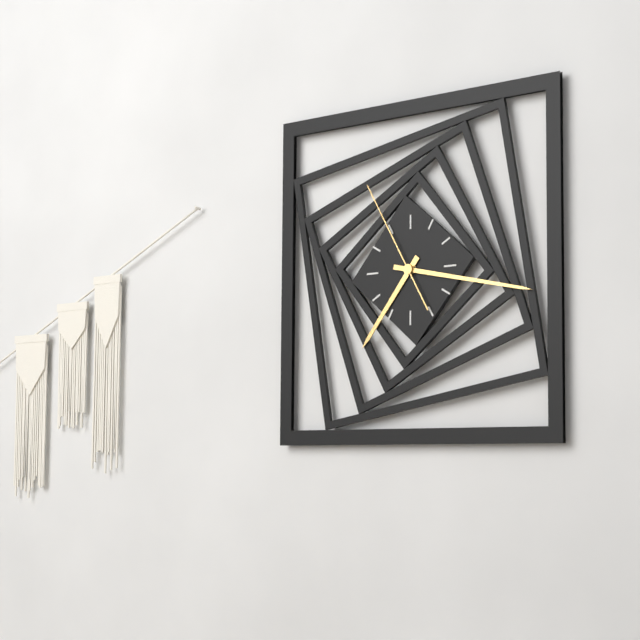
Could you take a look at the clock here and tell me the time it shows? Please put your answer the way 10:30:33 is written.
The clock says 7:17:55
